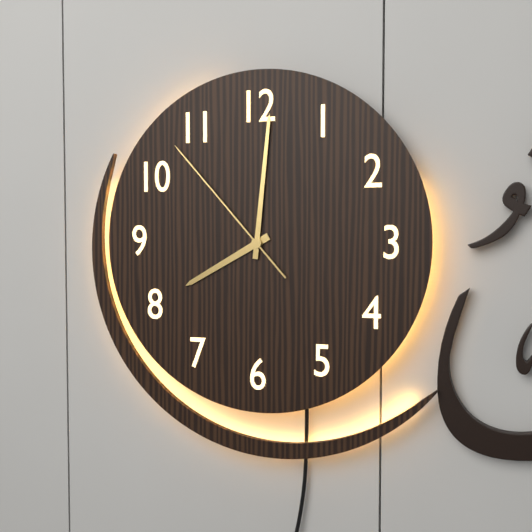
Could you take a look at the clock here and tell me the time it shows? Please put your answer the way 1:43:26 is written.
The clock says 8:01:53
